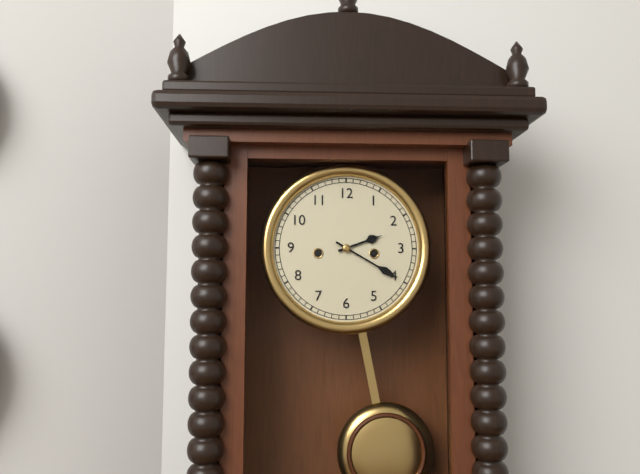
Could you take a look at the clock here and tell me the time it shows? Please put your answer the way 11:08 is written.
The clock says 2:20
